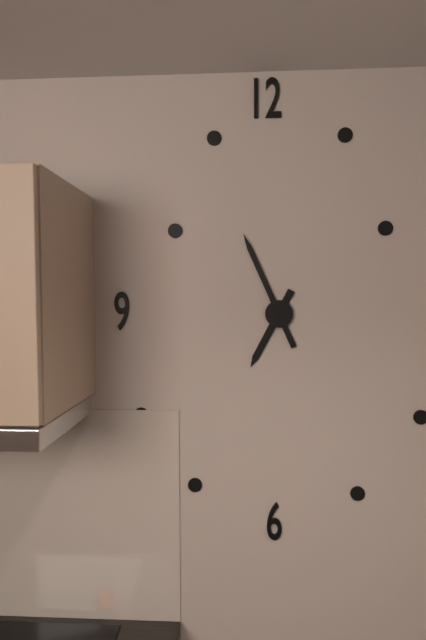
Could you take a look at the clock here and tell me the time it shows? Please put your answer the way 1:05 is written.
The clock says 6:56
